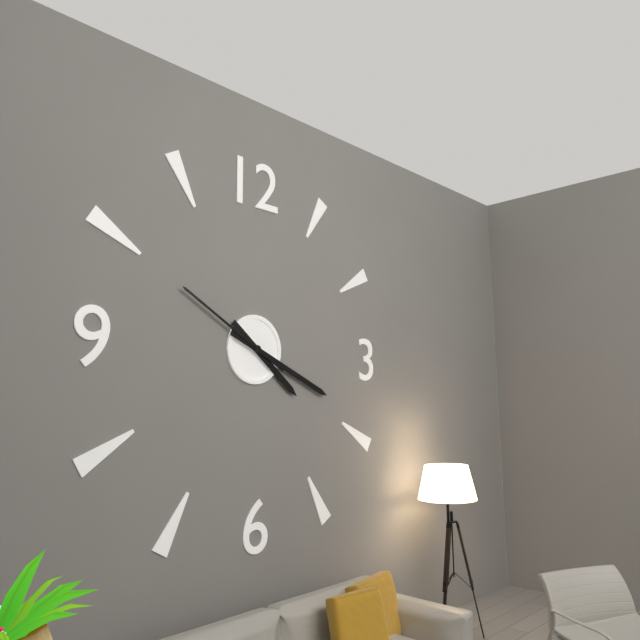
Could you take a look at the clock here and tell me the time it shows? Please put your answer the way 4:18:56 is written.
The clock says 4:19:50
